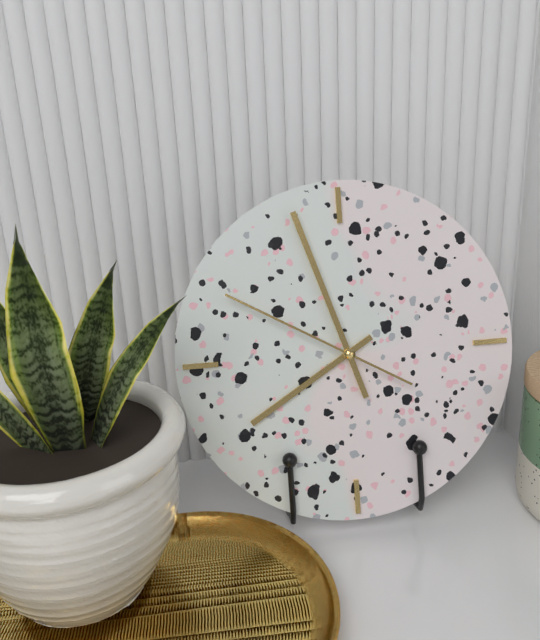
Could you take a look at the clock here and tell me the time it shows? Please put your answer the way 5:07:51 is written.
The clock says 7:57:50
